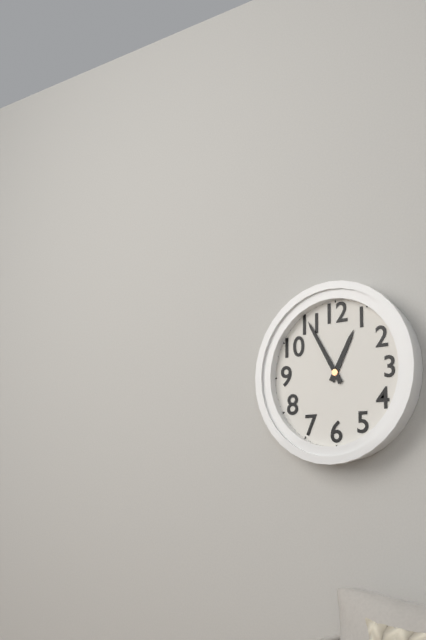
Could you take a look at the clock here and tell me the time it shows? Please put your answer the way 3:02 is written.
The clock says 12:55
